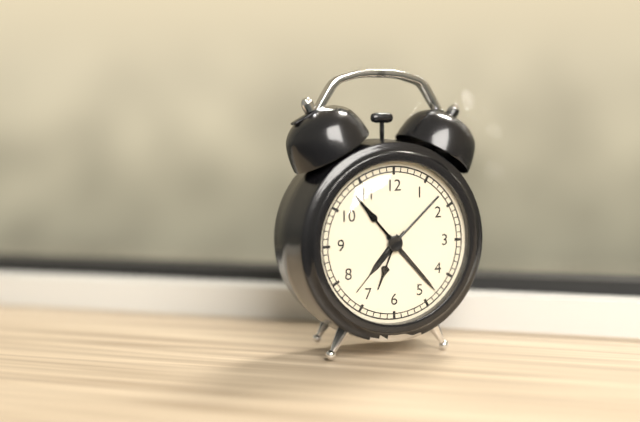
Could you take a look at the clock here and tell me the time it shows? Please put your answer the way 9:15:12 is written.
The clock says 7:23:37
